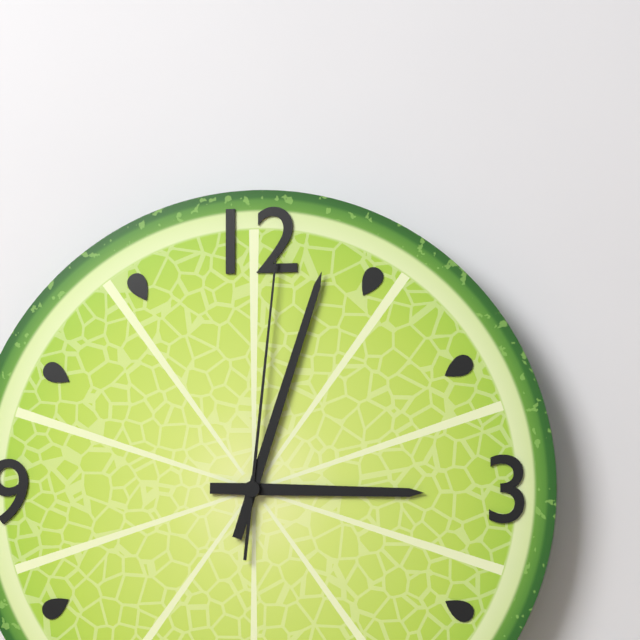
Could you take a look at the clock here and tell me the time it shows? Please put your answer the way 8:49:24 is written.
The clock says 3:03:01
